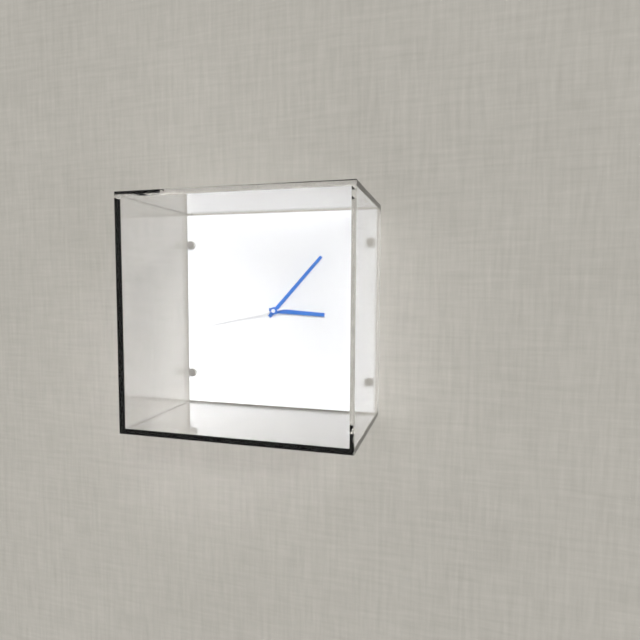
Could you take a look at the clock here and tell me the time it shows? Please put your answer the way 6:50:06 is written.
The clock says 3:07:43
